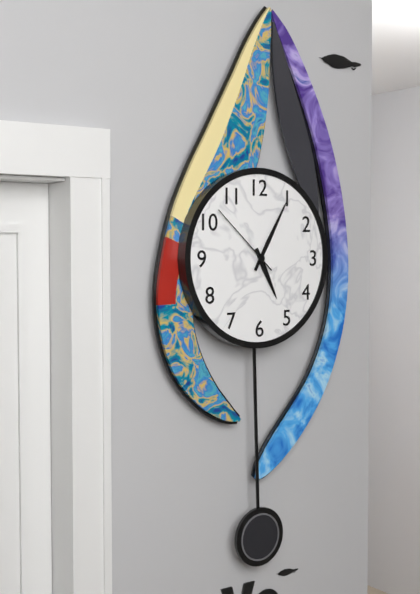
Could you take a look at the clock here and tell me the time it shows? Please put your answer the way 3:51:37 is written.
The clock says 5:05:52
